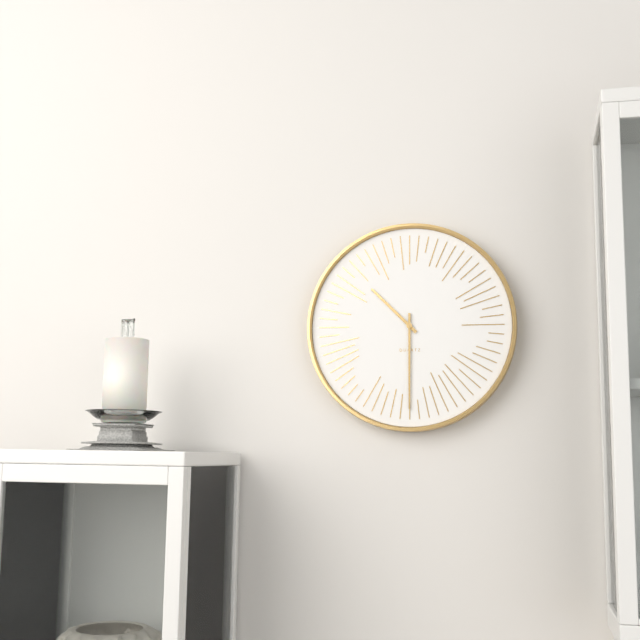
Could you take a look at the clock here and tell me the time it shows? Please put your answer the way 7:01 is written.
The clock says 10:30
